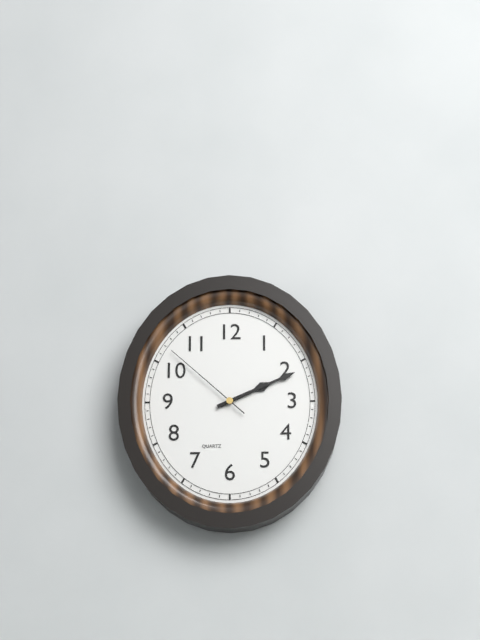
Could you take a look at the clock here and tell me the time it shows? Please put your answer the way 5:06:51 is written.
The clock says 2:11:52
